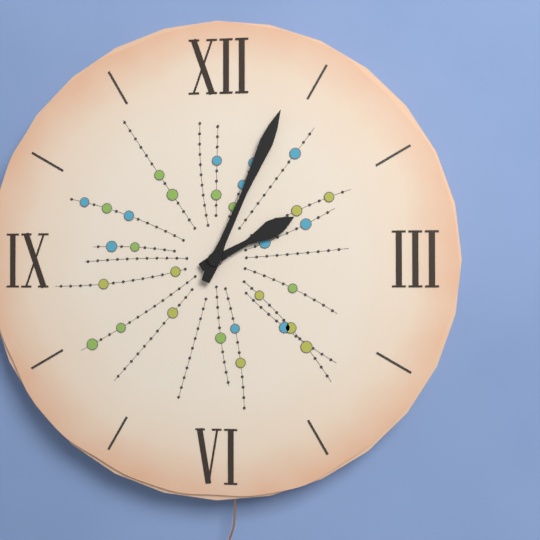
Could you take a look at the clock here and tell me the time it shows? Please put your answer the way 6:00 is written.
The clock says 2:04
